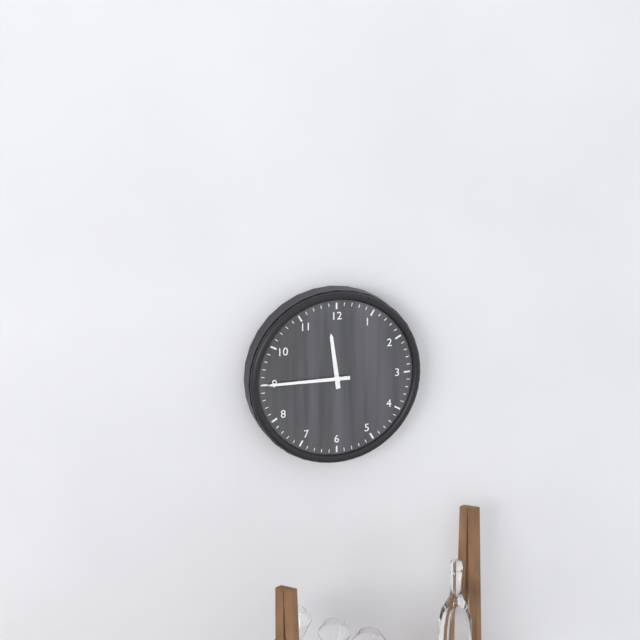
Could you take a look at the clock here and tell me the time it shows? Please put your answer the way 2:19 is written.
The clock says 11:45
